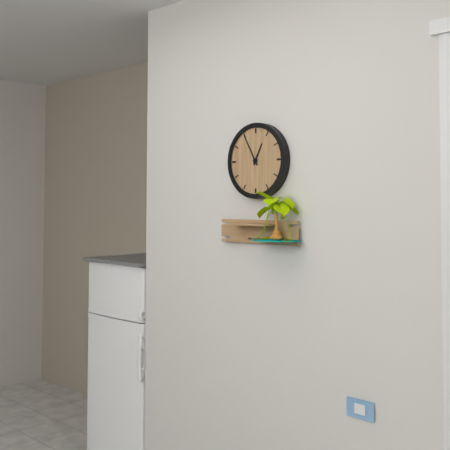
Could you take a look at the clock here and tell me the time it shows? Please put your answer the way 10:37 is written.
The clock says 12:55
